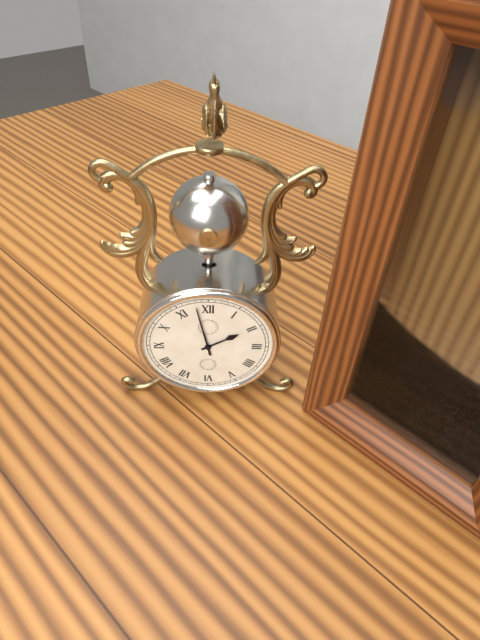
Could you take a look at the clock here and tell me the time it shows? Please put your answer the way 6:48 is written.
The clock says 1:58
